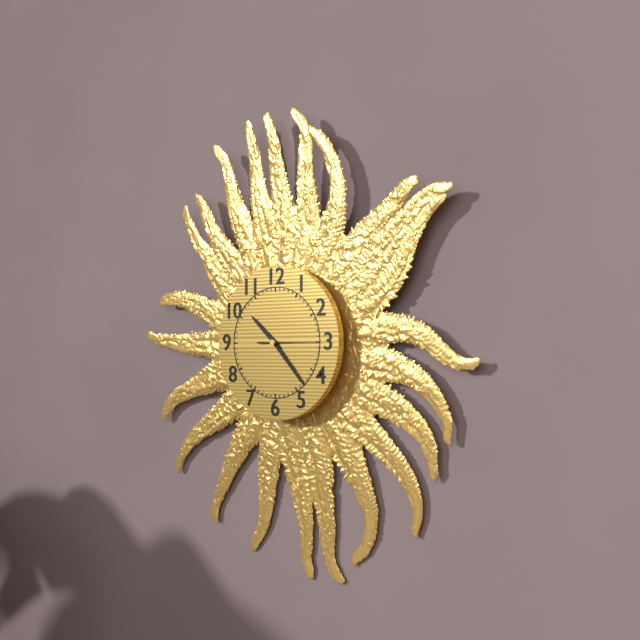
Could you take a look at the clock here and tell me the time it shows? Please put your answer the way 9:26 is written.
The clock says 10:23
